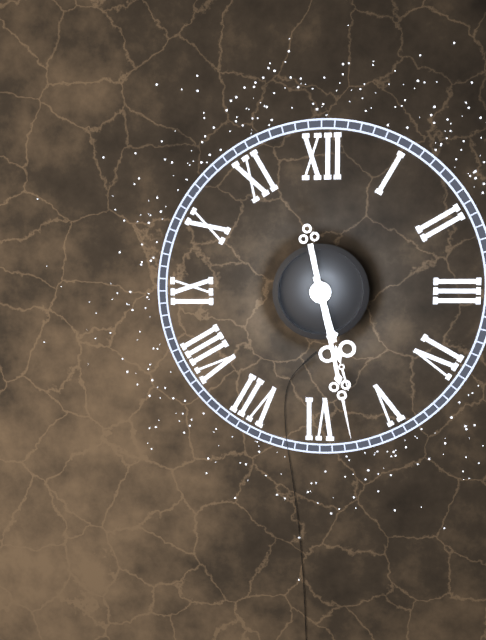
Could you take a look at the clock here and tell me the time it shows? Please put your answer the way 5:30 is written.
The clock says 5:28
